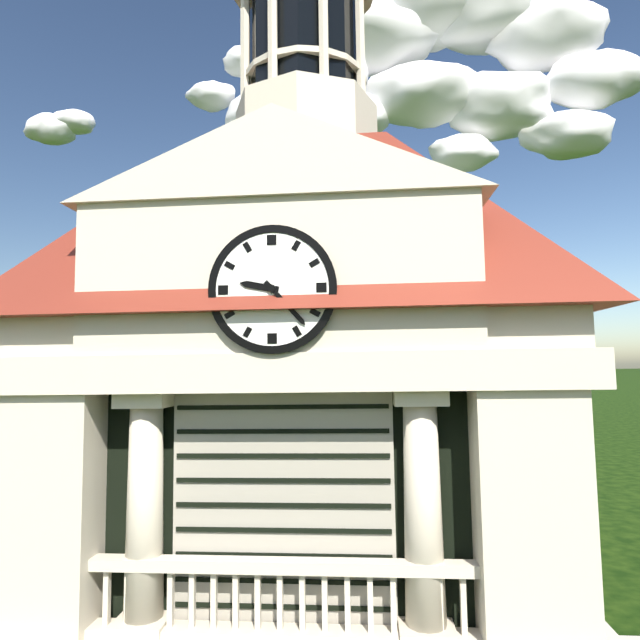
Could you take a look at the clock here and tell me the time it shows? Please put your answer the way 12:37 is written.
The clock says 9:23
